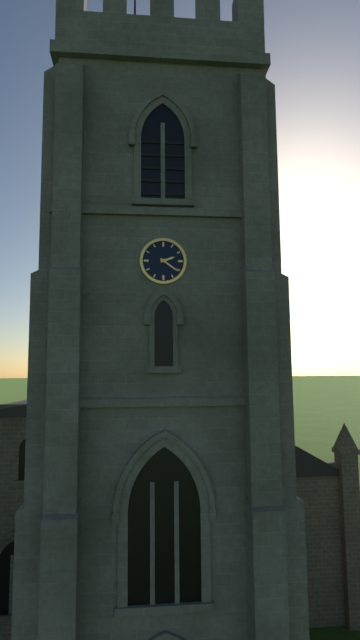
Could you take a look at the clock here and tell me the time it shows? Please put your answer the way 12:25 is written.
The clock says 2:21
